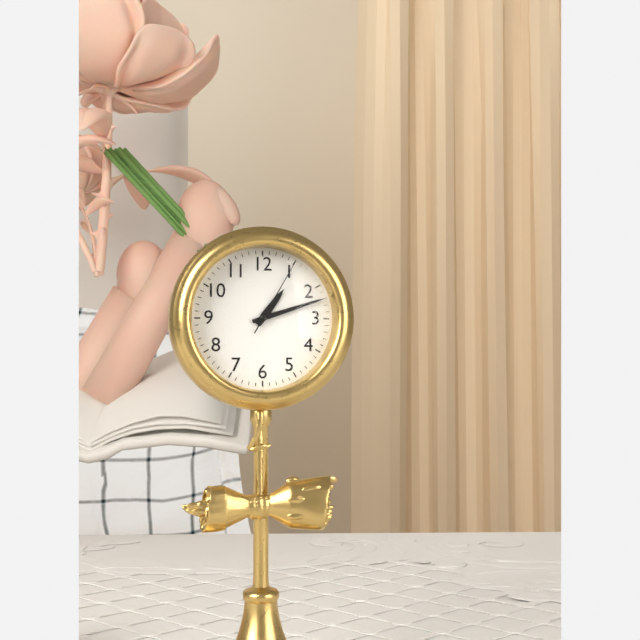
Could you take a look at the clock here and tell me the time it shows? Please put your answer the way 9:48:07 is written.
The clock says 1:12:05
